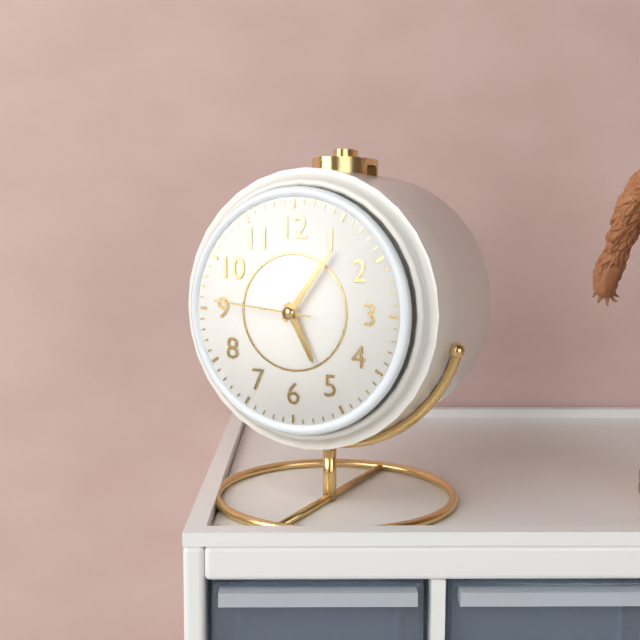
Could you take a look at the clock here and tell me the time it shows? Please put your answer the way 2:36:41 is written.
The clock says 5:06:46
